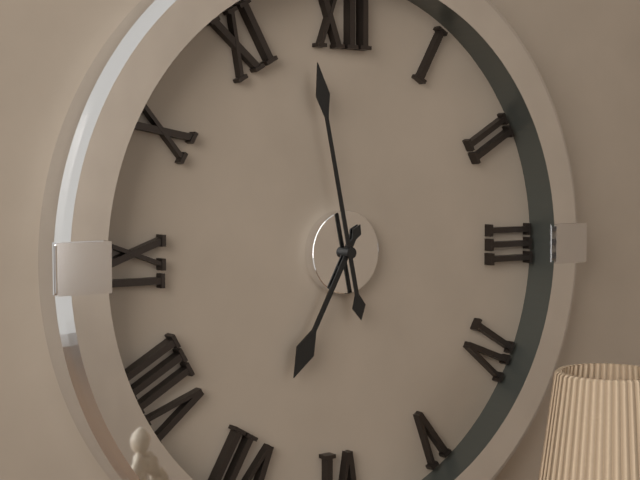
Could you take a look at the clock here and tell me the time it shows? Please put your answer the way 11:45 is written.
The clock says 6:58
